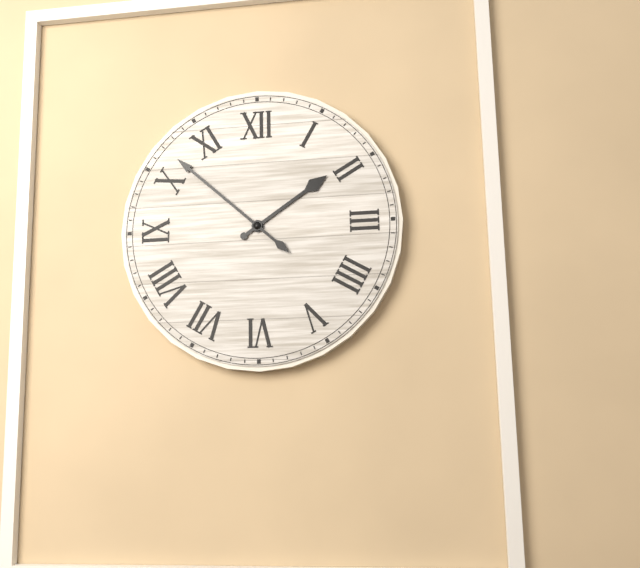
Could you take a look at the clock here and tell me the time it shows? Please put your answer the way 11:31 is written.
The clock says 1:52
